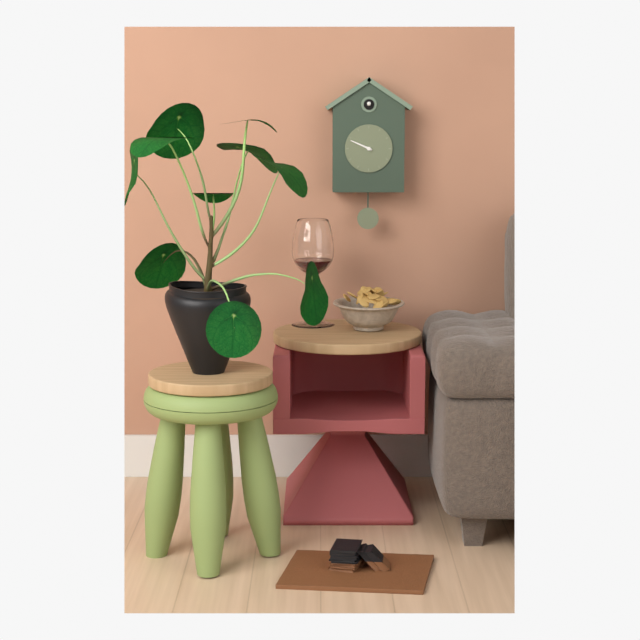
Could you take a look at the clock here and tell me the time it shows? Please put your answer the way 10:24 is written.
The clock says 9:49
